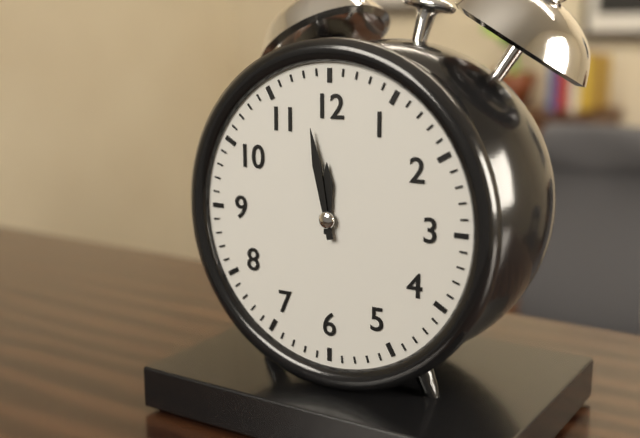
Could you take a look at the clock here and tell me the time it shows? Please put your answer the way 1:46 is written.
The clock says 11:58
